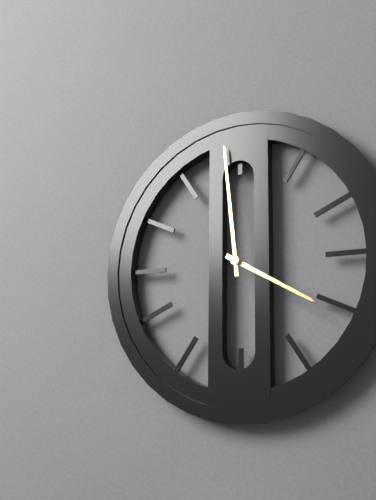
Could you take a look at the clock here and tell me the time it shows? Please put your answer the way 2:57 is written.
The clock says 3:59
